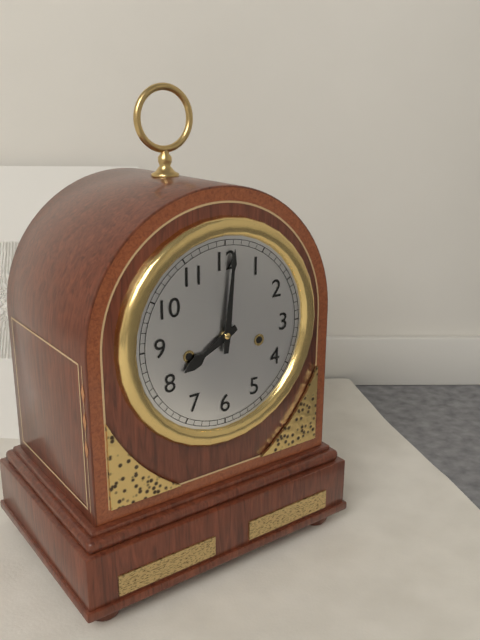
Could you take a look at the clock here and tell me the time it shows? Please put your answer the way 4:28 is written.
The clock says 8:01
